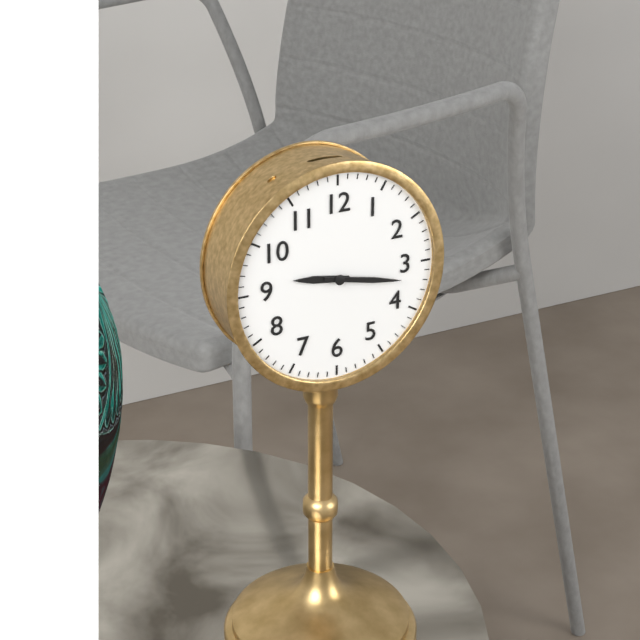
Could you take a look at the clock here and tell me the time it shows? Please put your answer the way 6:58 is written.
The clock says 9:17
